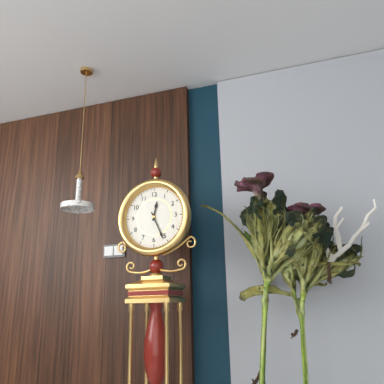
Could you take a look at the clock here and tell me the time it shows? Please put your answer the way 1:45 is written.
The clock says 12:26
